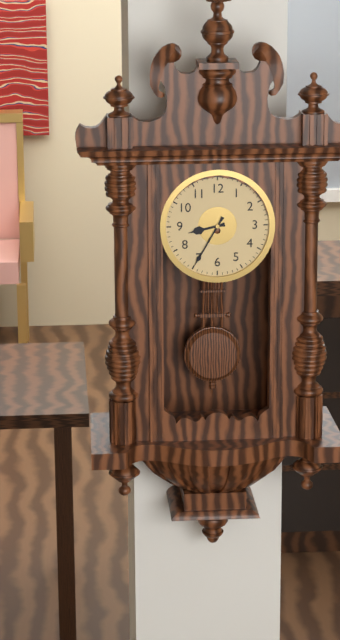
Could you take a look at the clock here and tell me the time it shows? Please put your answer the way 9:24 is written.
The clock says 8:35
